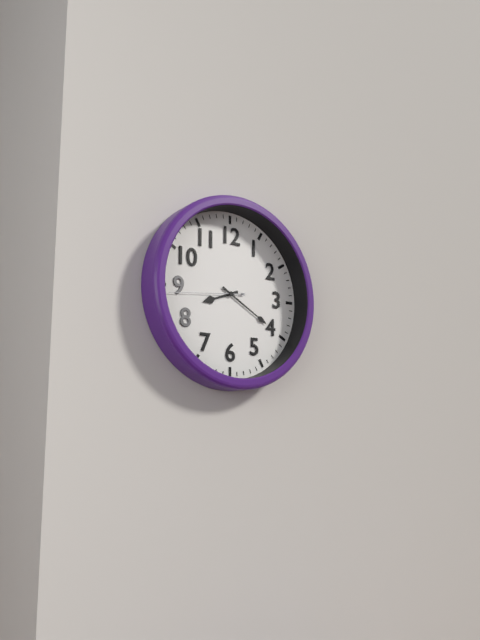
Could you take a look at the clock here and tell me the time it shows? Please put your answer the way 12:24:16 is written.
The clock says 8:20:44
